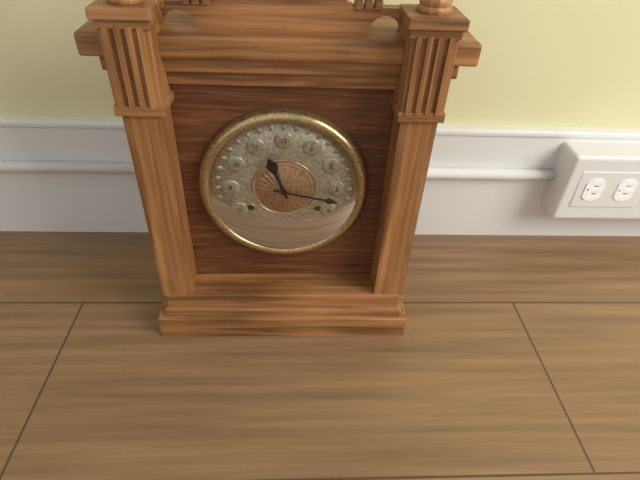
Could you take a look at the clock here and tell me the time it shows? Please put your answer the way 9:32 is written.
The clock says 11:17
